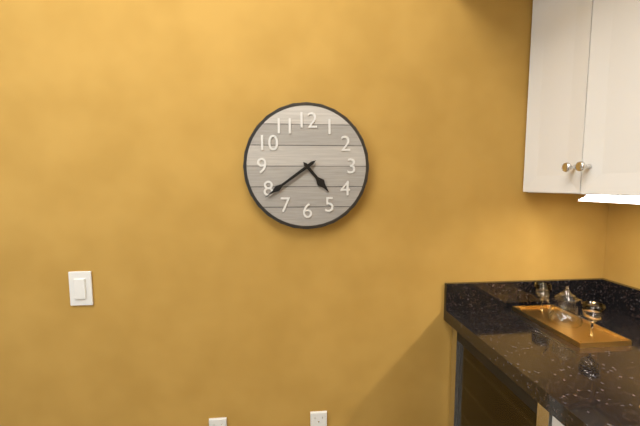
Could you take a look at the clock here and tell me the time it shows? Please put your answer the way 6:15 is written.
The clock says 4:39
